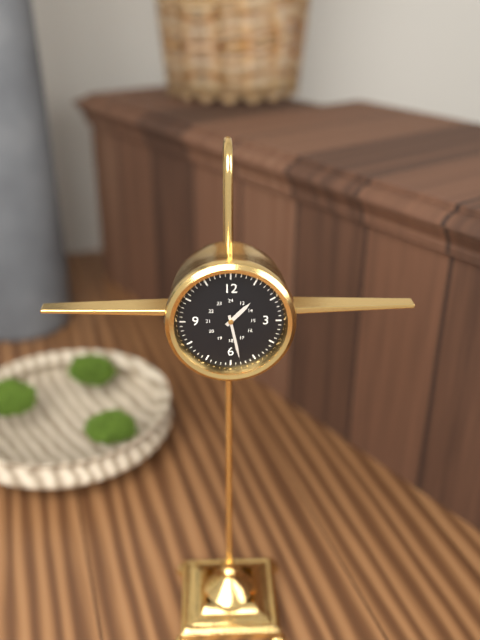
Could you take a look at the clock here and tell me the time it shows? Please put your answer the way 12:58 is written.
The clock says 1:28
